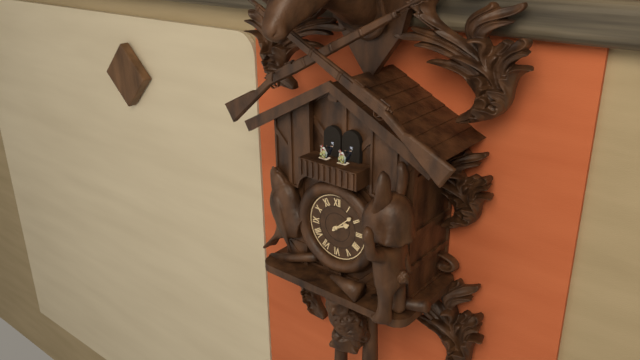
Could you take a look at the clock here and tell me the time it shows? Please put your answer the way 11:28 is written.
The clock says 2:08
